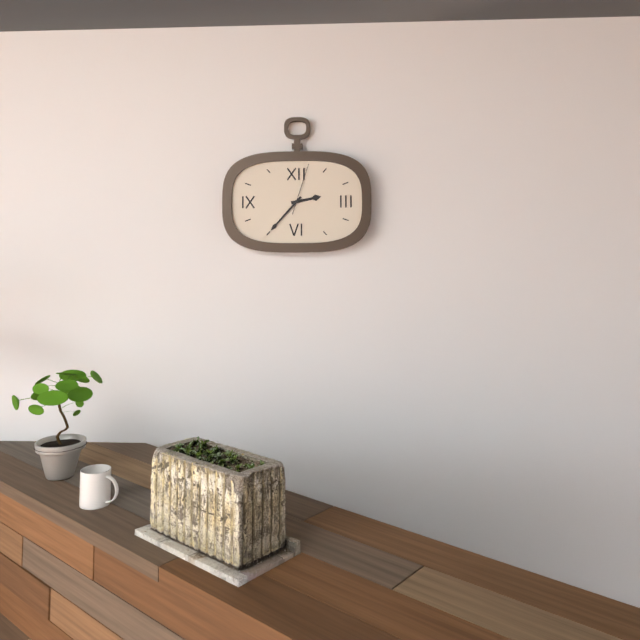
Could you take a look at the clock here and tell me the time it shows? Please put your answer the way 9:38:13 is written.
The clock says 2:37:03
